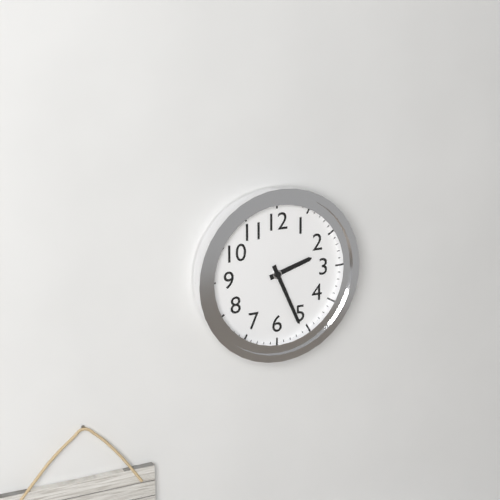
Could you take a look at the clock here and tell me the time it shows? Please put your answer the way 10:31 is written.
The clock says 2:26
